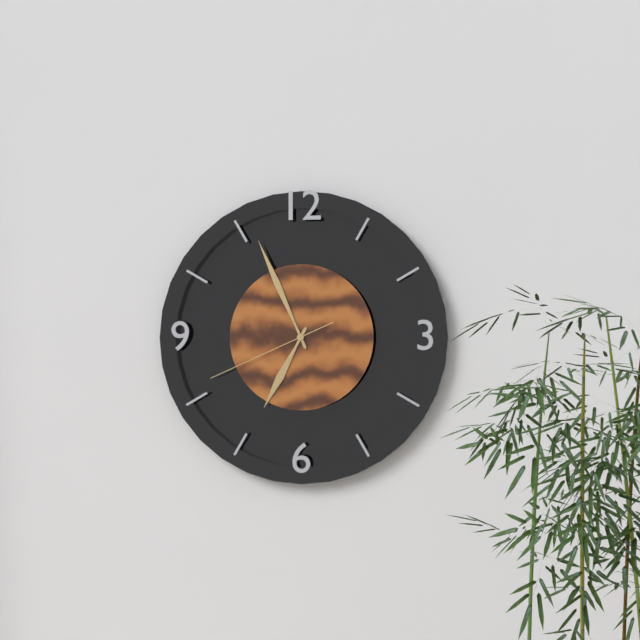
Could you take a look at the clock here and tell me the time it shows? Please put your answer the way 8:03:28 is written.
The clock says 6:56:41
